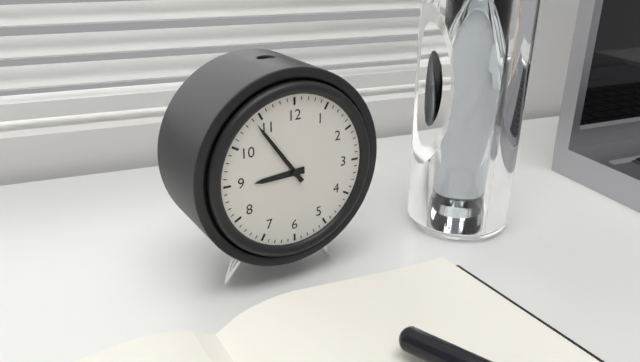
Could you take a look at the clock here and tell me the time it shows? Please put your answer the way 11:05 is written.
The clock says 8:54
